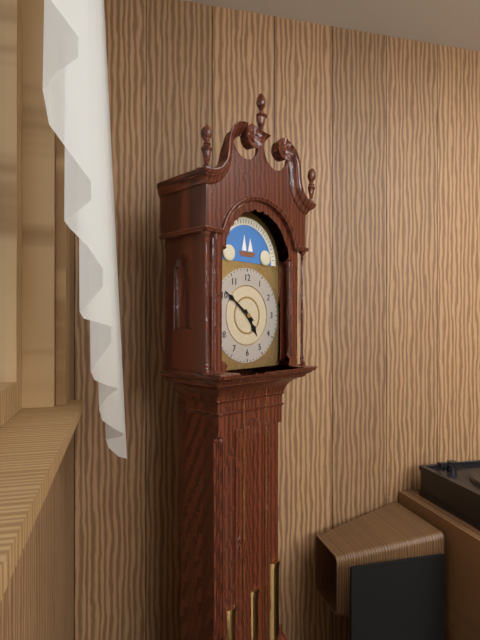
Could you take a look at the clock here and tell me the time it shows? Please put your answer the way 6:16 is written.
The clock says 4:51
